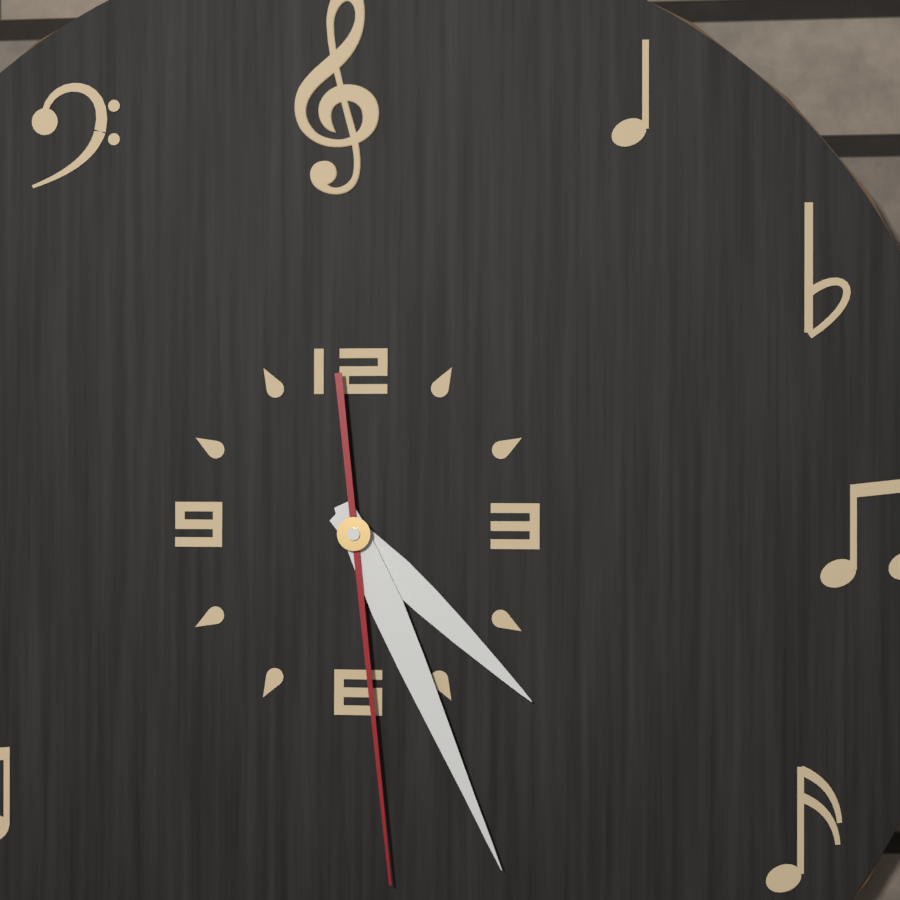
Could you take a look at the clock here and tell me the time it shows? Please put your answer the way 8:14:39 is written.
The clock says 4:26:29
